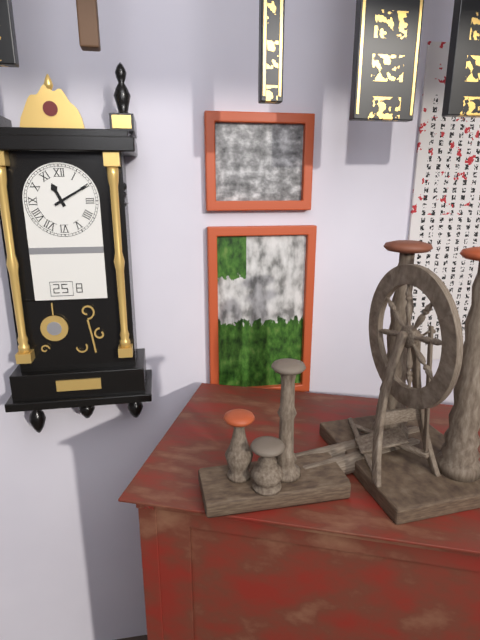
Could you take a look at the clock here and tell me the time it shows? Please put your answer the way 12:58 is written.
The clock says 11:10
